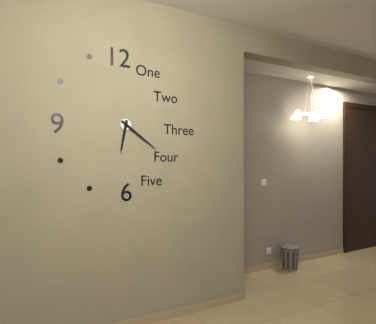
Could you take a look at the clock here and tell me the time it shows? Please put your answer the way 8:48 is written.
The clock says 6:21
